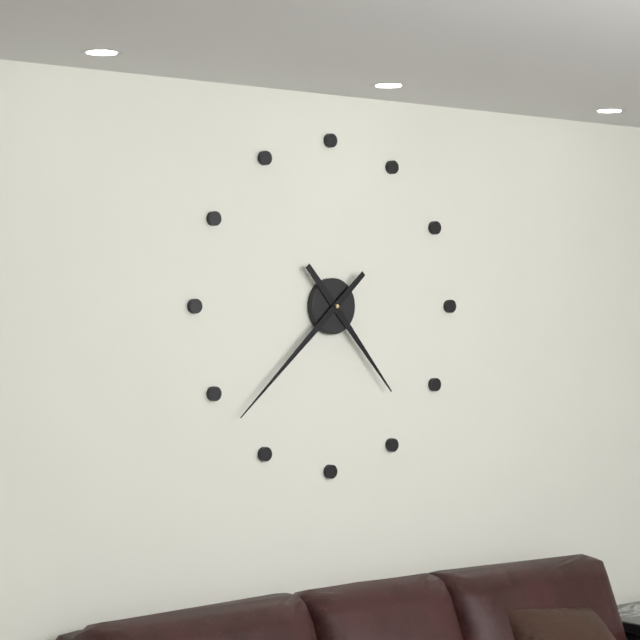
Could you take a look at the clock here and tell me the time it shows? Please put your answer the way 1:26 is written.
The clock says 4:38
